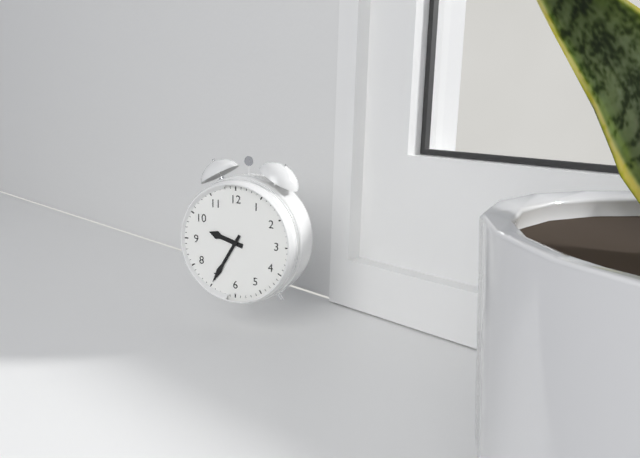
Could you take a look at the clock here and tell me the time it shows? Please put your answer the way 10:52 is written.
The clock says 9:35
